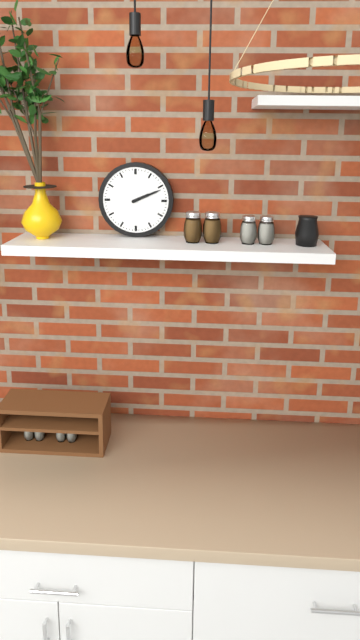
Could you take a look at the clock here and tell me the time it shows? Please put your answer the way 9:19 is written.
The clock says 2:11
